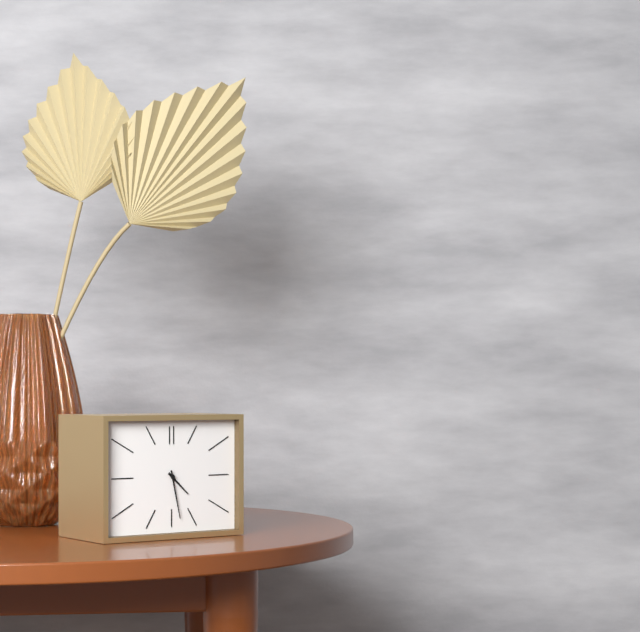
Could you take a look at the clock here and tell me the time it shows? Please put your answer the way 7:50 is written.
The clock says 4:28
